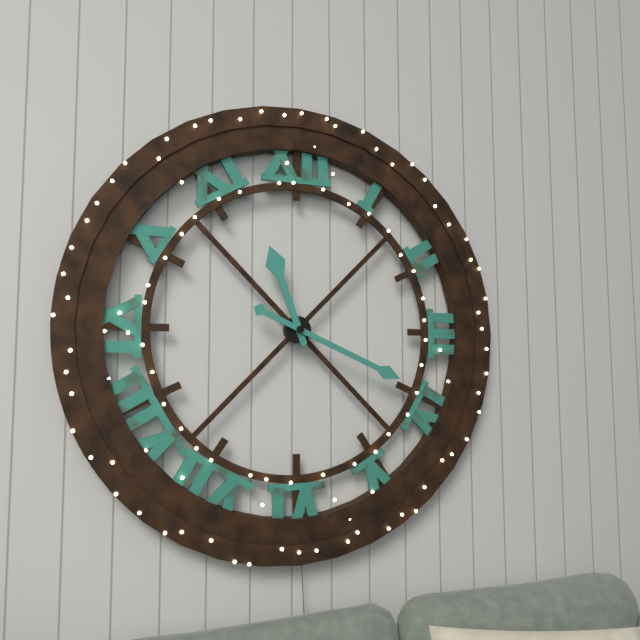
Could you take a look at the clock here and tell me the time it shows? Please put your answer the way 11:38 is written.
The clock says 11:19
